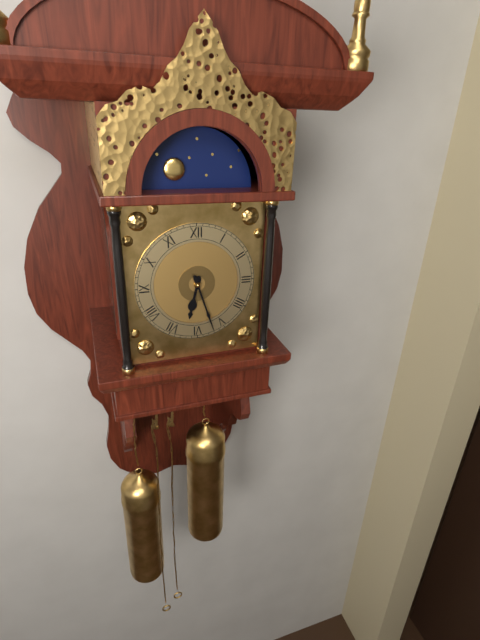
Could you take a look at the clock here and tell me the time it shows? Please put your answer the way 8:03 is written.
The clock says 6:27
